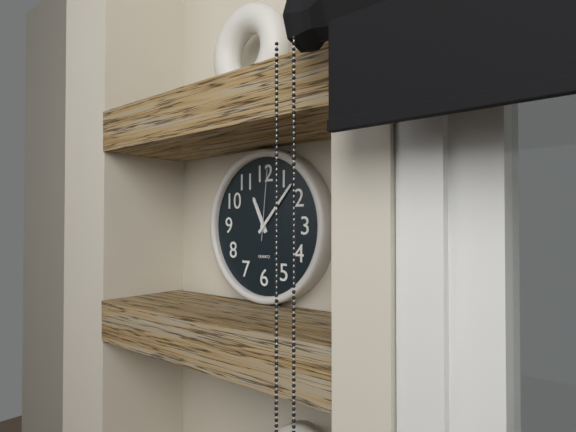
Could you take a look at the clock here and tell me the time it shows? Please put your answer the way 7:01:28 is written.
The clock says 11:07:01
